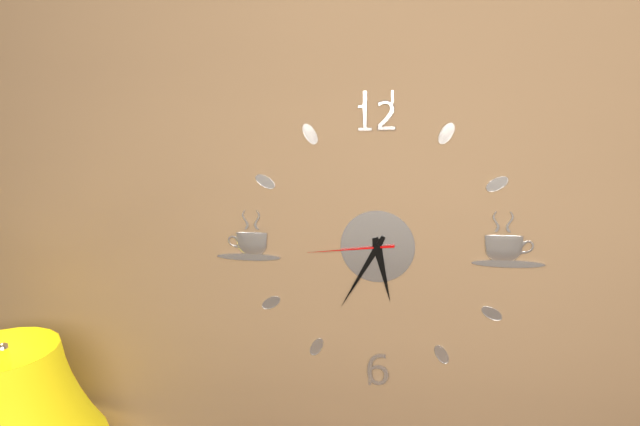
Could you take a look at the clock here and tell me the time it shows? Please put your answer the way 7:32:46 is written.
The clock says 5:35:44
